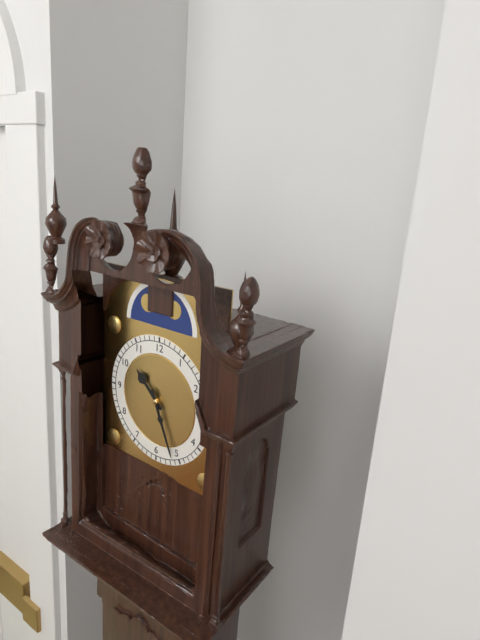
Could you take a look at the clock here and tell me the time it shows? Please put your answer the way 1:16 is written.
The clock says 10:26
